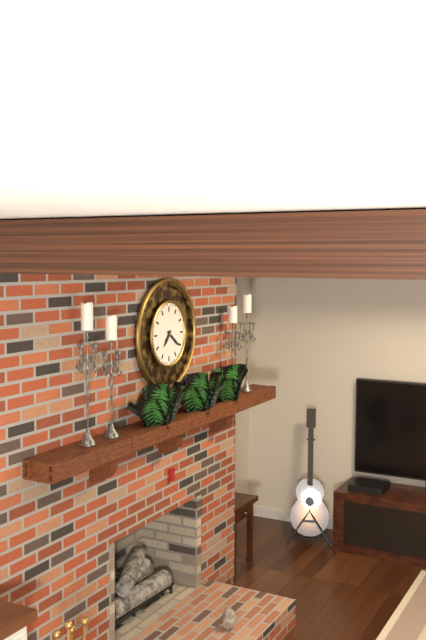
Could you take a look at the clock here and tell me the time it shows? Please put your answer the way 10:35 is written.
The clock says 7:21
